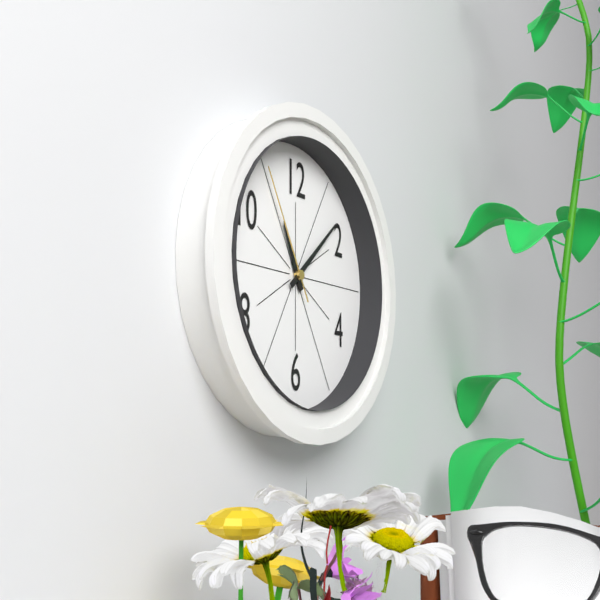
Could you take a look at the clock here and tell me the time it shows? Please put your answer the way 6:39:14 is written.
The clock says 11:08:55
